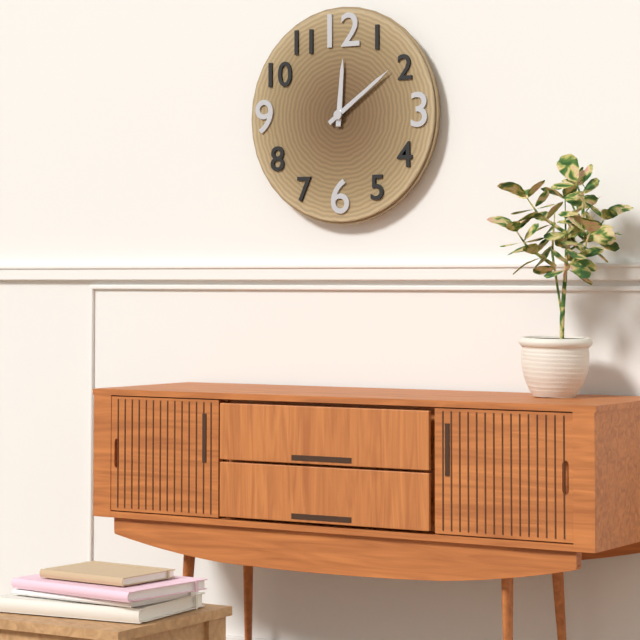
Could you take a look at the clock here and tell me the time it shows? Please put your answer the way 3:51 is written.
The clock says 12:09
